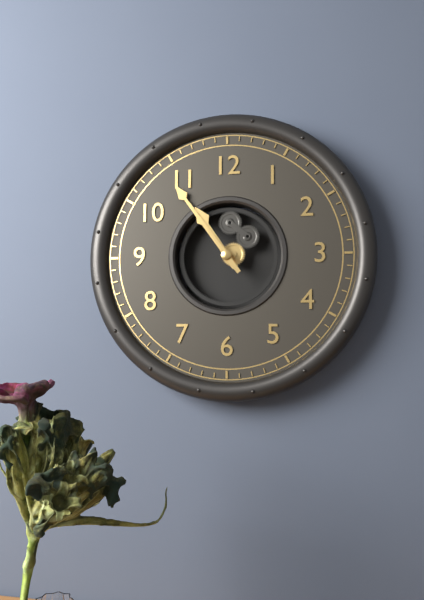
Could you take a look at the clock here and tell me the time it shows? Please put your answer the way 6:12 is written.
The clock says 10:54
